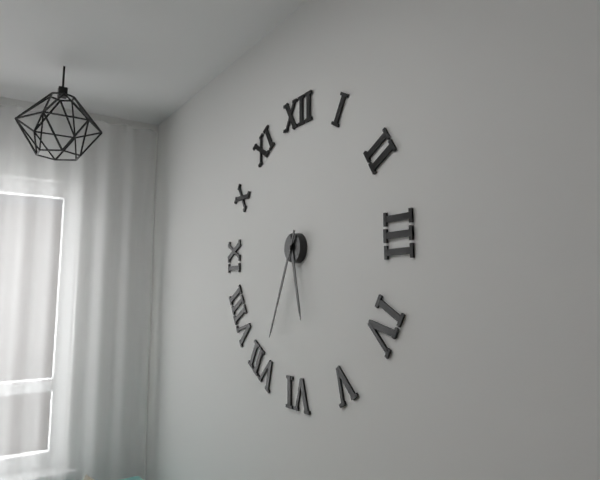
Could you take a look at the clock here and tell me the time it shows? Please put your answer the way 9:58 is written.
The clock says 5:34
